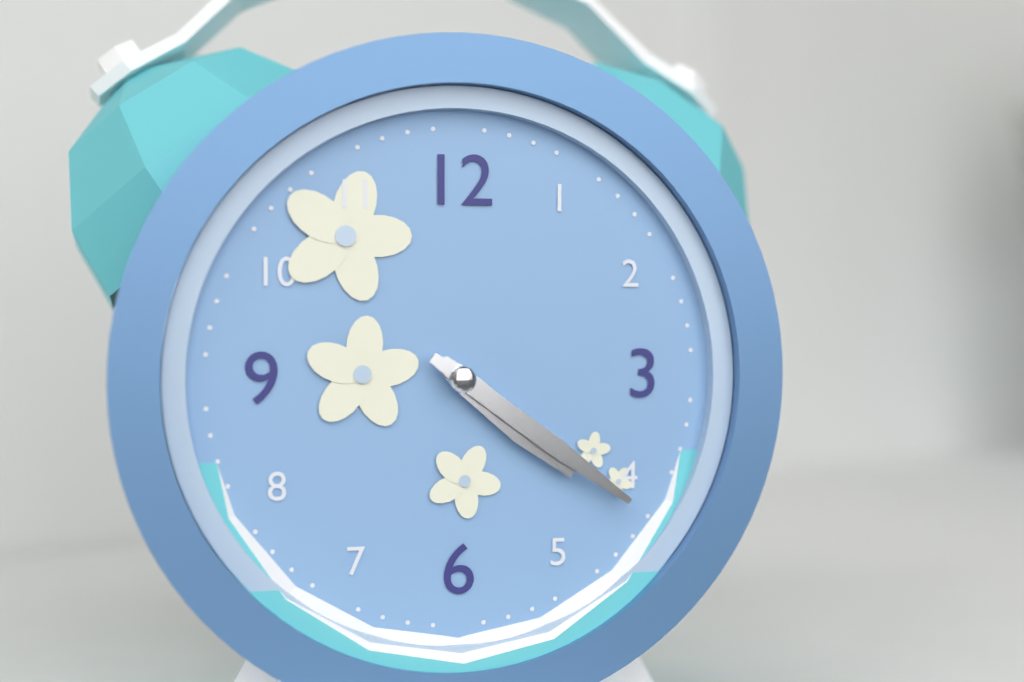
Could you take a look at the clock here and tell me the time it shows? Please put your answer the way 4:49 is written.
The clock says 4:21
